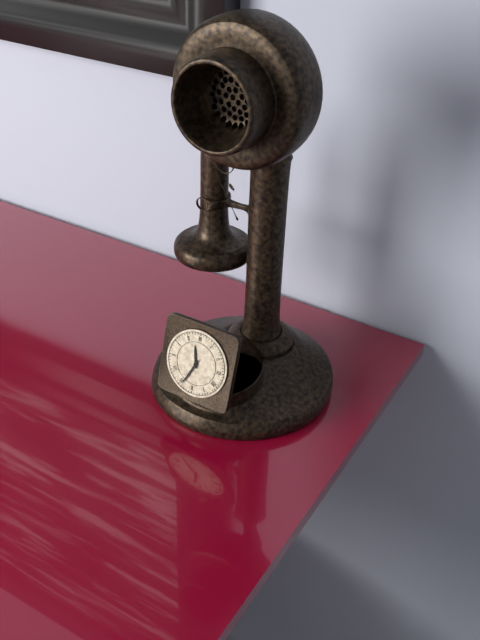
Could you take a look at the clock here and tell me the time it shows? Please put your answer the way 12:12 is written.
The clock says 11:34
